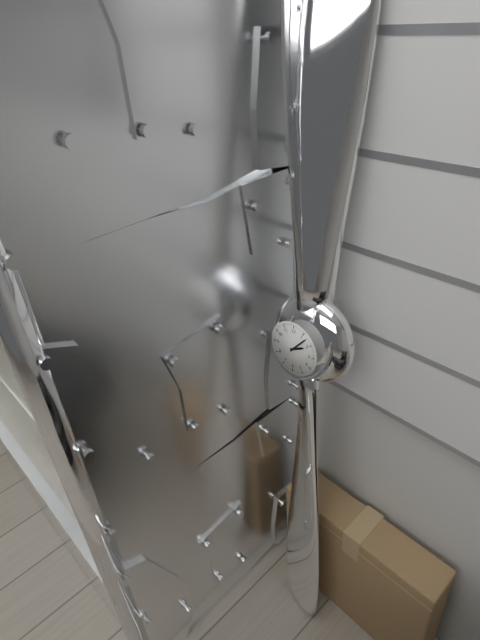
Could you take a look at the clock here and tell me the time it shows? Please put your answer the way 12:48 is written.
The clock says 2:07
